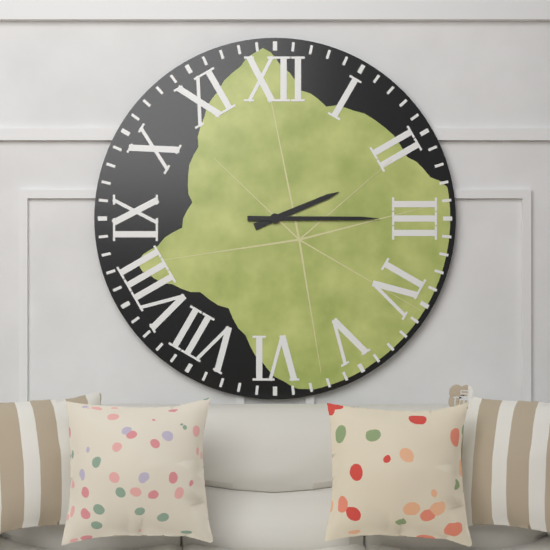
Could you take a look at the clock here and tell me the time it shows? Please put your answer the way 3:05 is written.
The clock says 2:15
